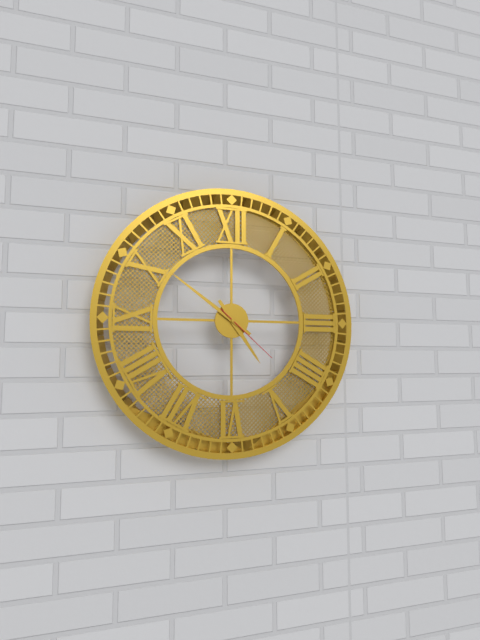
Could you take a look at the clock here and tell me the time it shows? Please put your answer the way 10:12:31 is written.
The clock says 4:51:22
